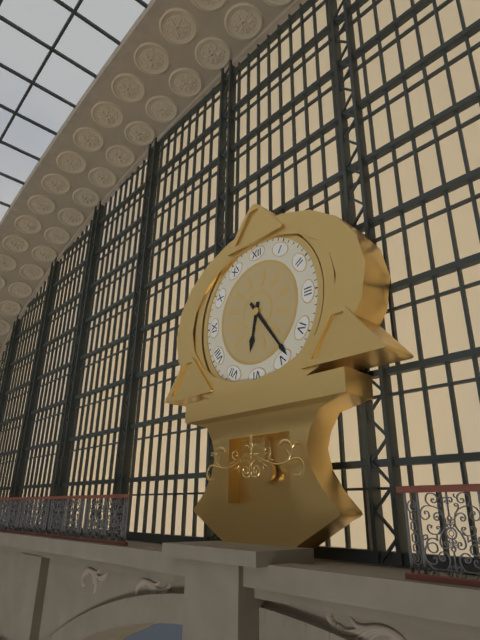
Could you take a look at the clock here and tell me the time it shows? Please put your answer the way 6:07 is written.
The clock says 6:24
